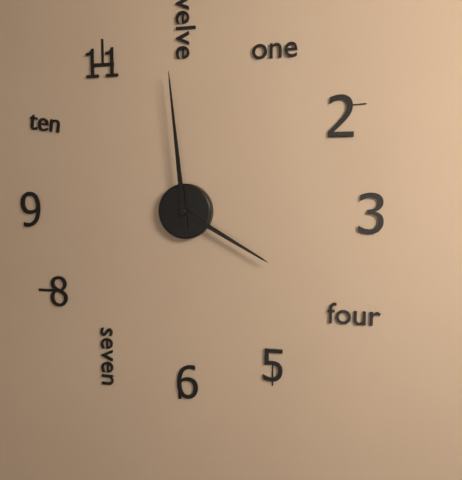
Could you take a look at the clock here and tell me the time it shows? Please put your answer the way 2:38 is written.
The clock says 3:59
